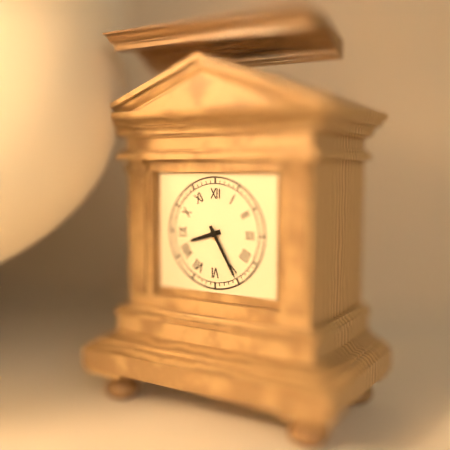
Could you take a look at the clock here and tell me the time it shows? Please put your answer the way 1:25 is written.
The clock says 8:25
